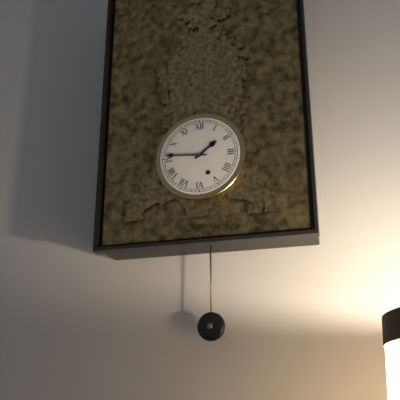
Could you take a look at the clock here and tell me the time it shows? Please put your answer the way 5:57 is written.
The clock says 1:46
